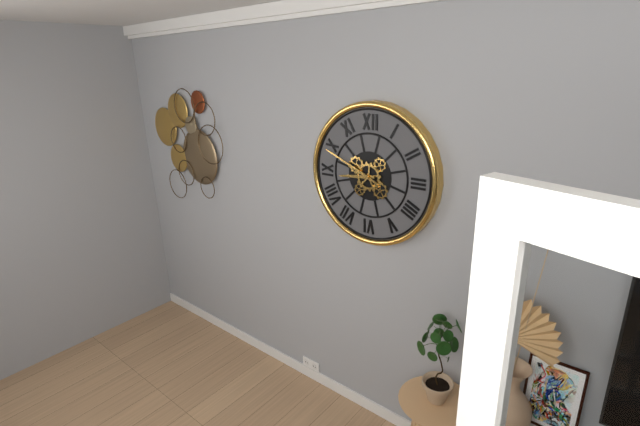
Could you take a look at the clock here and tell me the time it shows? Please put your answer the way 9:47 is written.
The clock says 8:49
